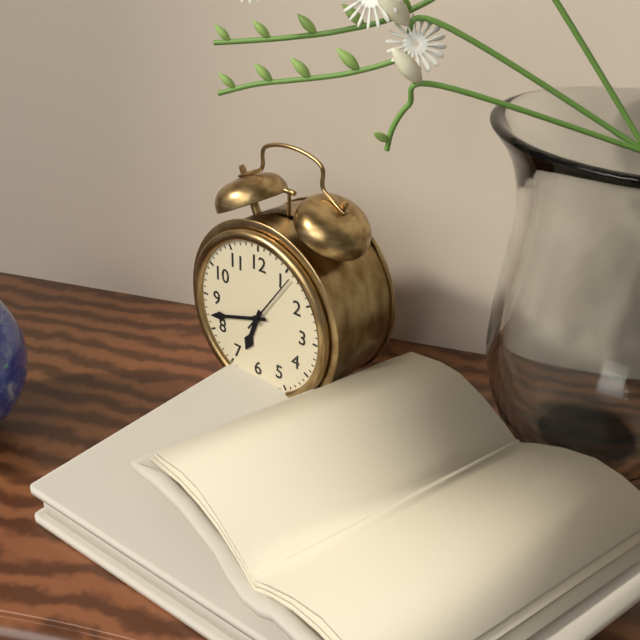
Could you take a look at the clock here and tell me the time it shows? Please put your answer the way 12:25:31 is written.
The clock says 6:42:06
